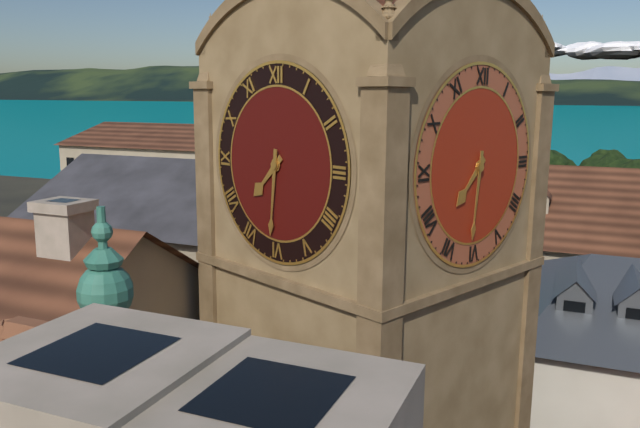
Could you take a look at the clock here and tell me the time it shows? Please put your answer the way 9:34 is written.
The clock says 7:31
